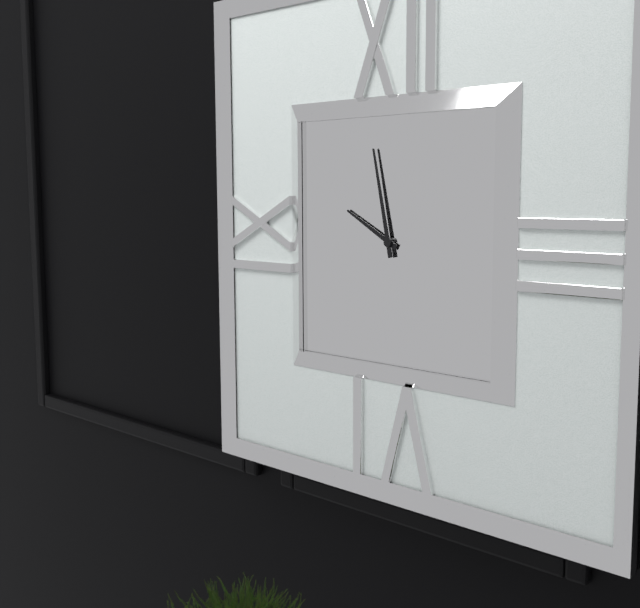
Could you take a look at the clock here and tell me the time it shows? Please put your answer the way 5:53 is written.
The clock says 9:58
